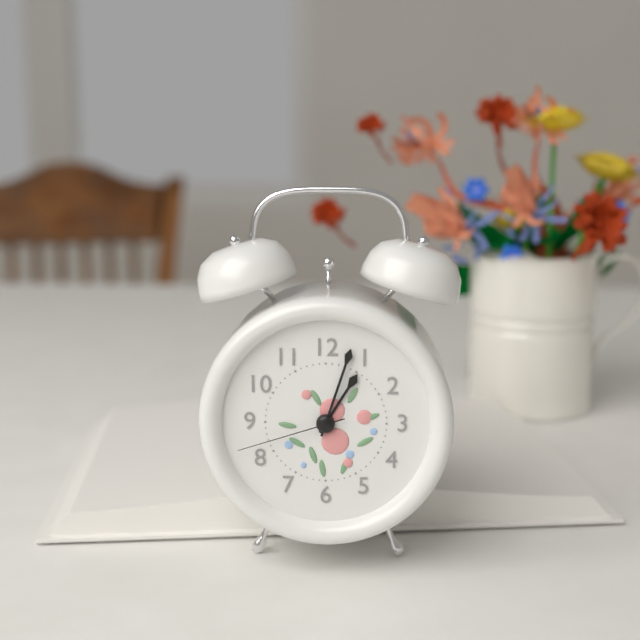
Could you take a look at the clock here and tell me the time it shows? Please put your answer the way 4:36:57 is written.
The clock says 1:03:42
